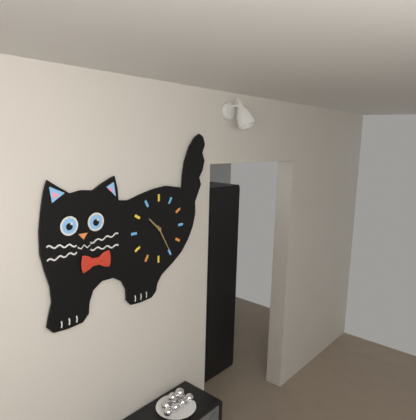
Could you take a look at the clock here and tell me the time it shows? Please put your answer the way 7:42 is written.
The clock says 10:25
